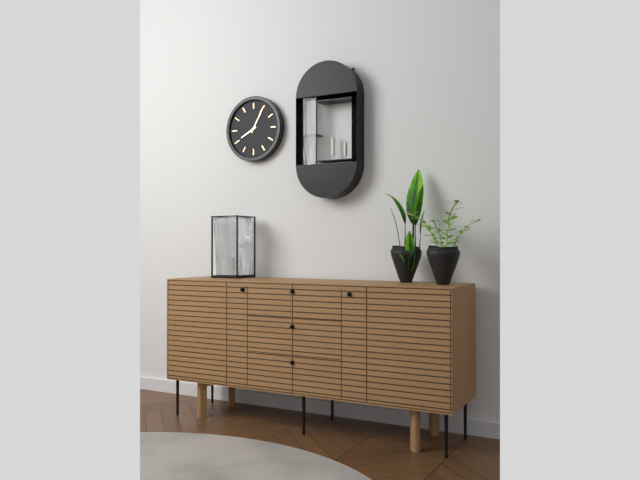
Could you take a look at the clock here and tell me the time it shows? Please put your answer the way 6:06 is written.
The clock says 8:05
